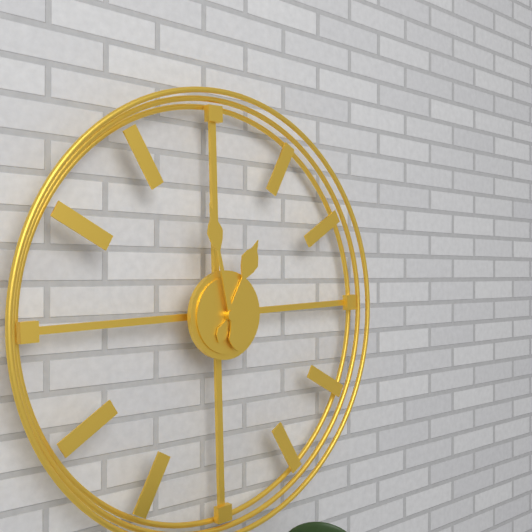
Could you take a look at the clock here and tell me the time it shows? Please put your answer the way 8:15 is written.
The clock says 12:58
